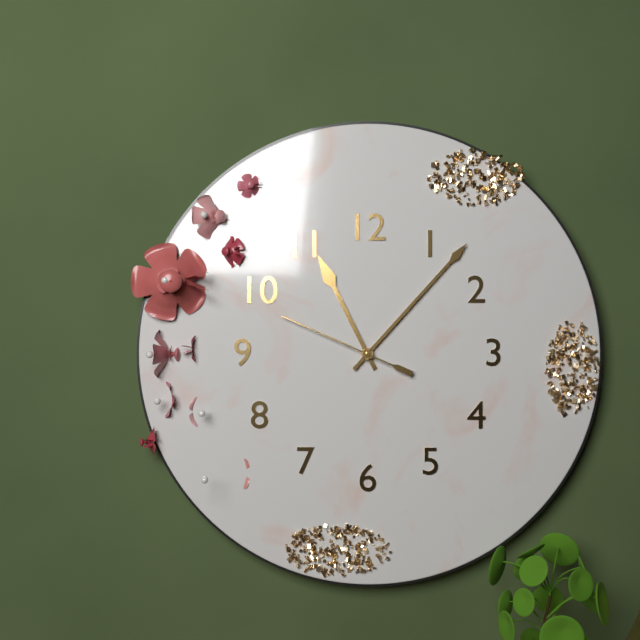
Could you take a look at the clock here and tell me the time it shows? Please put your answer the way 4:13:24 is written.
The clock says 11:07:49
